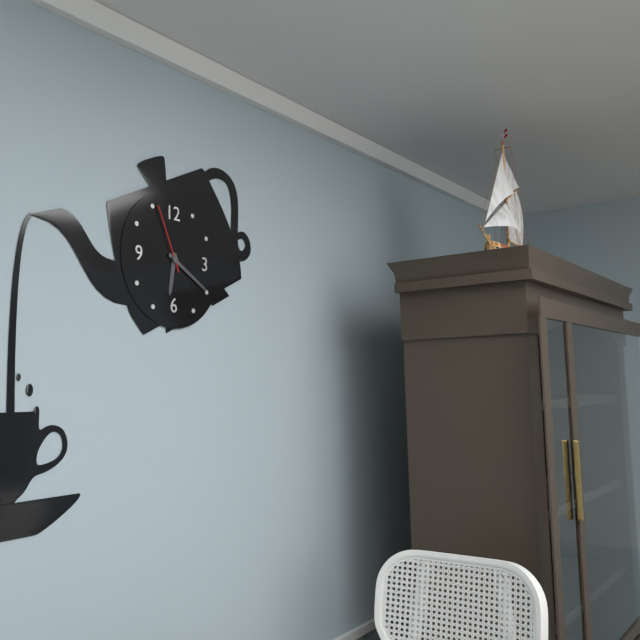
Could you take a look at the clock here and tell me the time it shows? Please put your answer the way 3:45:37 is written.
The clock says 6:20:56
